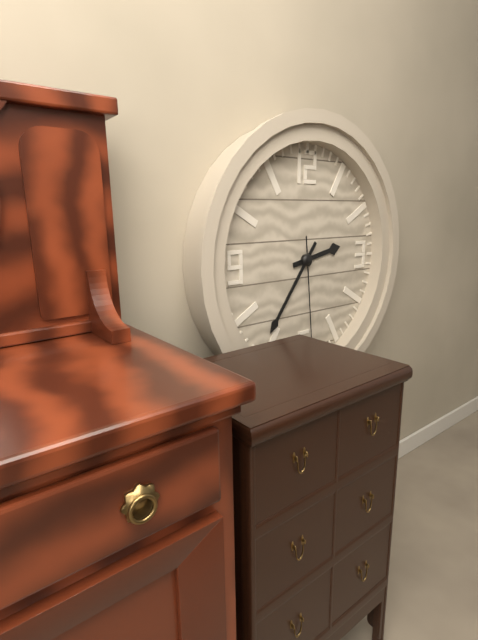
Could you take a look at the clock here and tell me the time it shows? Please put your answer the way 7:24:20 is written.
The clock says 2:36:29
